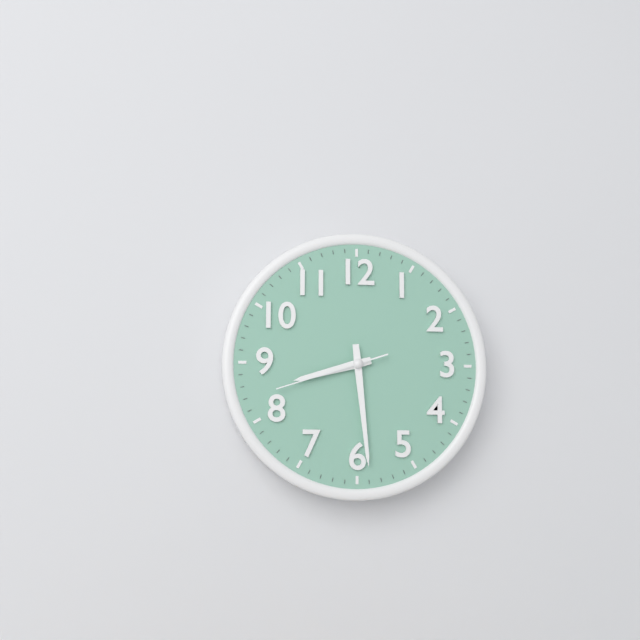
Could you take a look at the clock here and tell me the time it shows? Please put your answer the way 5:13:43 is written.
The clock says 8:29:42
